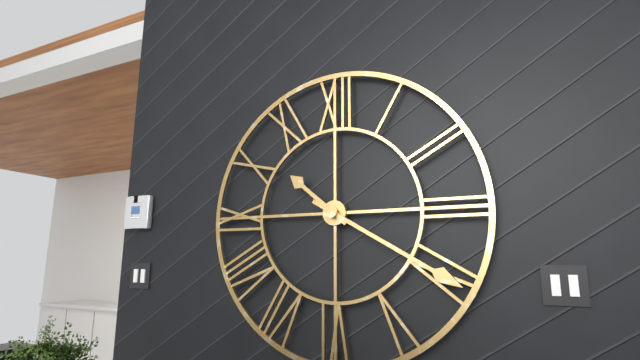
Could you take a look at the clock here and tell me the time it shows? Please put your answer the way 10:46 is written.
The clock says 10:20
